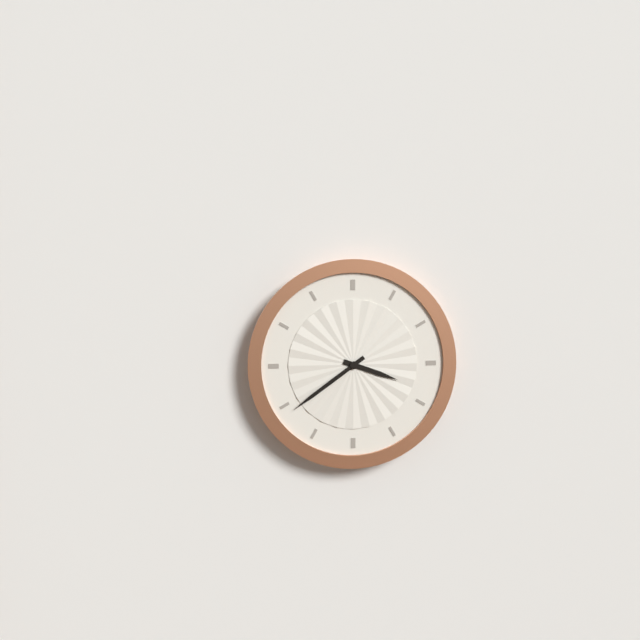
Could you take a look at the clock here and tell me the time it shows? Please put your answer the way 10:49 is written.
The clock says 3:39
